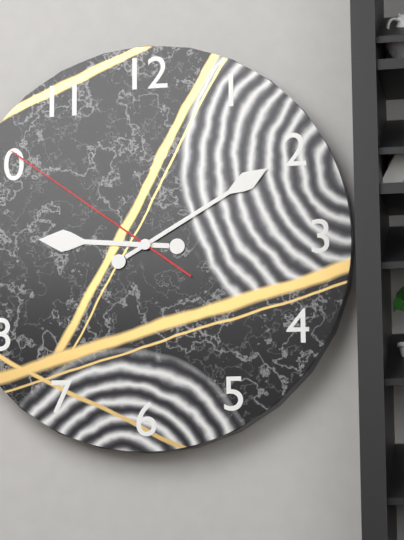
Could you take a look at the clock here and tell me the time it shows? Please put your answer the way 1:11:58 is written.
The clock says 9:10:51
